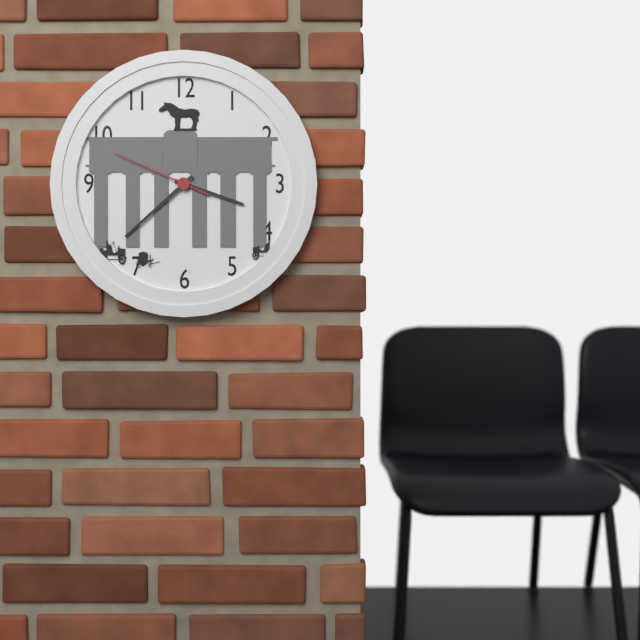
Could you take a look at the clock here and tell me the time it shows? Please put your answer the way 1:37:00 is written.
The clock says 3:38:49
